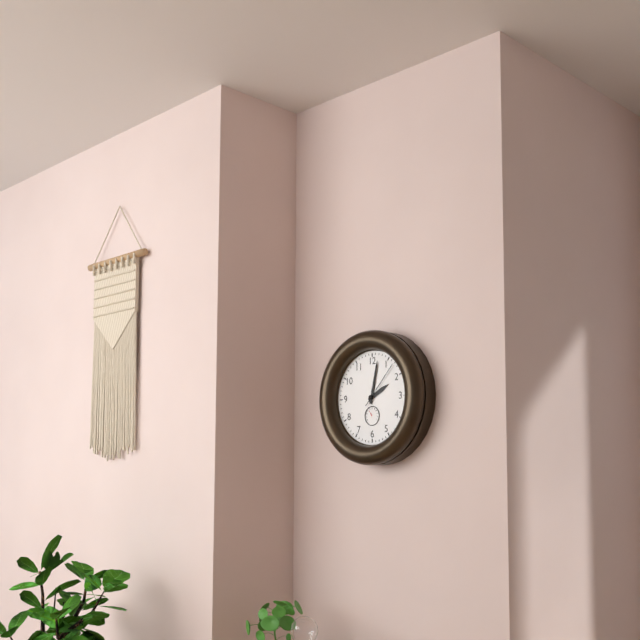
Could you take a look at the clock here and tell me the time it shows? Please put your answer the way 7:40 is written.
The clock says 2:02
